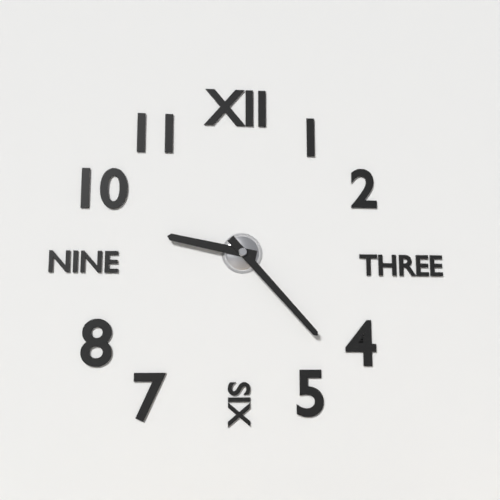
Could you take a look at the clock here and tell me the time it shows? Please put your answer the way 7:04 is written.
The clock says 9:23
